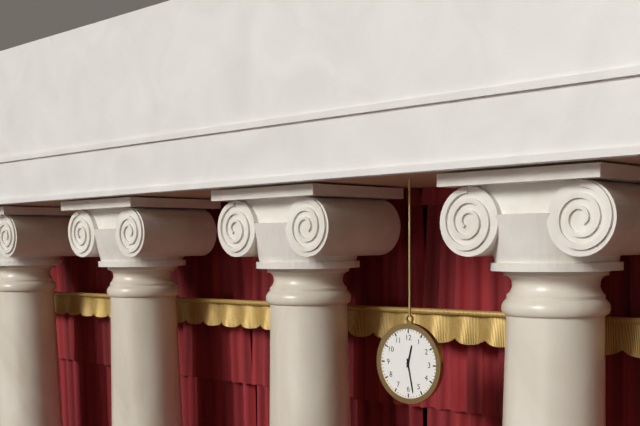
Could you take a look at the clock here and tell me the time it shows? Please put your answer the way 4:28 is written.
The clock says 12:28
